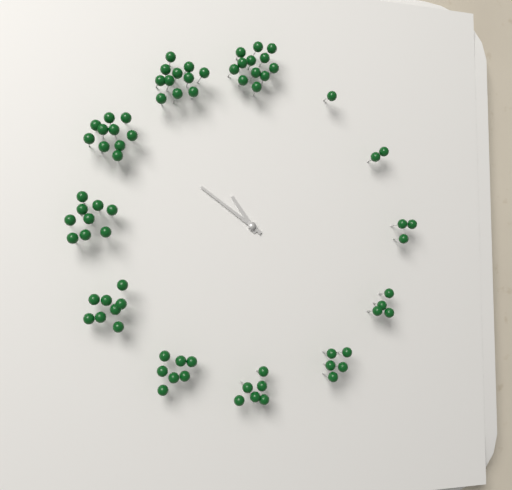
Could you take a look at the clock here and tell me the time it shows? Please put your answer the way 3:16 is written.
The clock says 10:51
